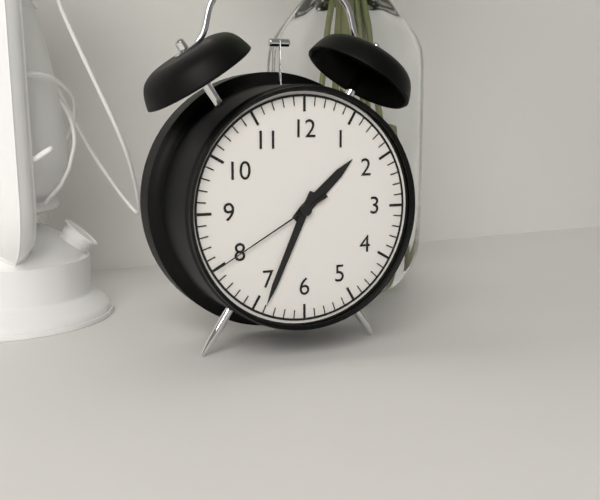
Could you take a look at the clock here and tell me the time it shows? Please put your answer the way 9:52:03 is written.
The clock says 1:34:40
